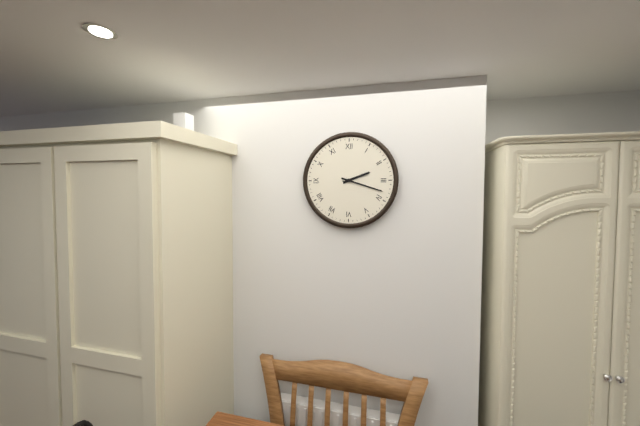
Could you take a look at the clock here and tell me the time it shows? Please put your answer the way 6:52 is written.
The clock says 2:18
